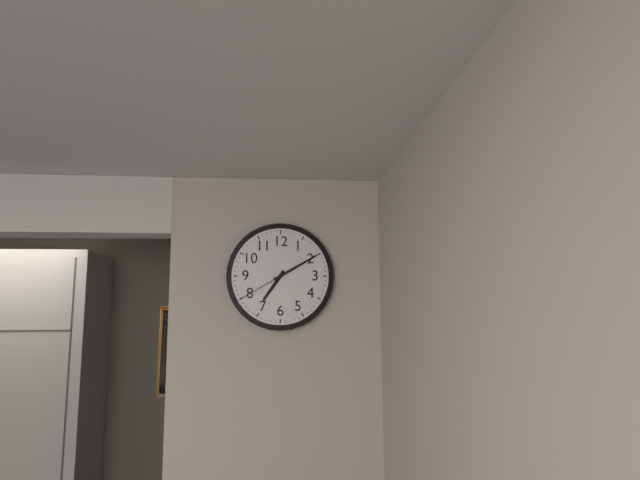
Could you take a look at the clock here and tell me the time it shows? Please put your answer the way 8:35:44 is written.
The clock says 7:10:40
